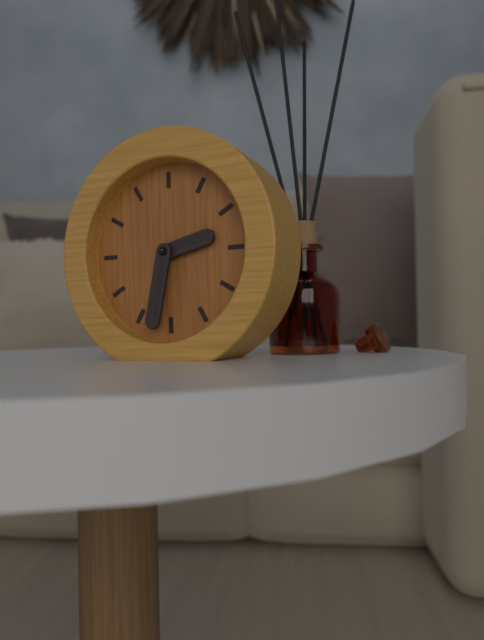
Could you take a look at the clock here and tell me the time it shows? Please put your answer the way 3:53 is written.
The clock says 2:32
